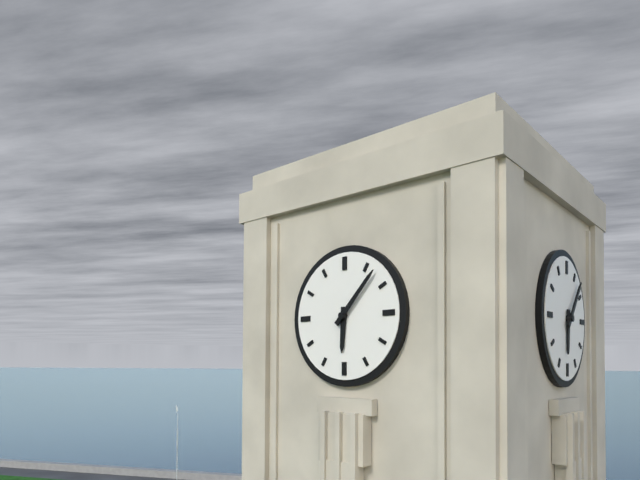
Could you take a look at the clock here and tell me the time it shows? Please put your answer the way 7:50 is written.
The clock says 6:07
